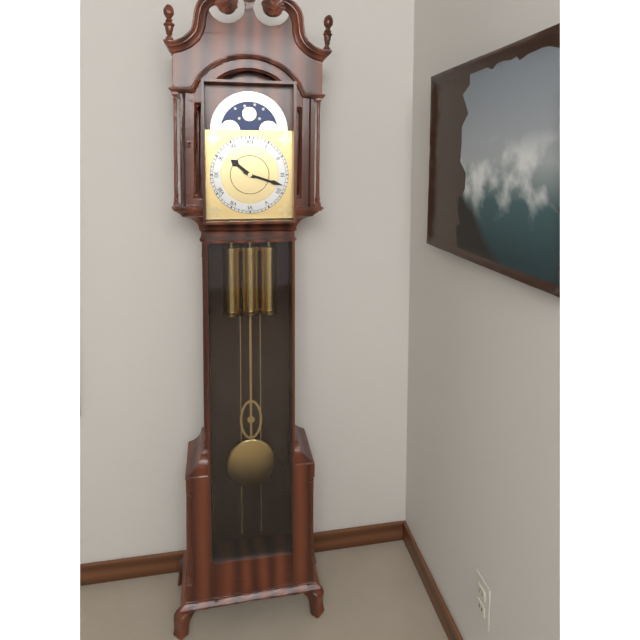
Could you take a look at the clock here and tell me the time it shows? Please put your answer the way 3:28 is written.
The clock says 10:18
